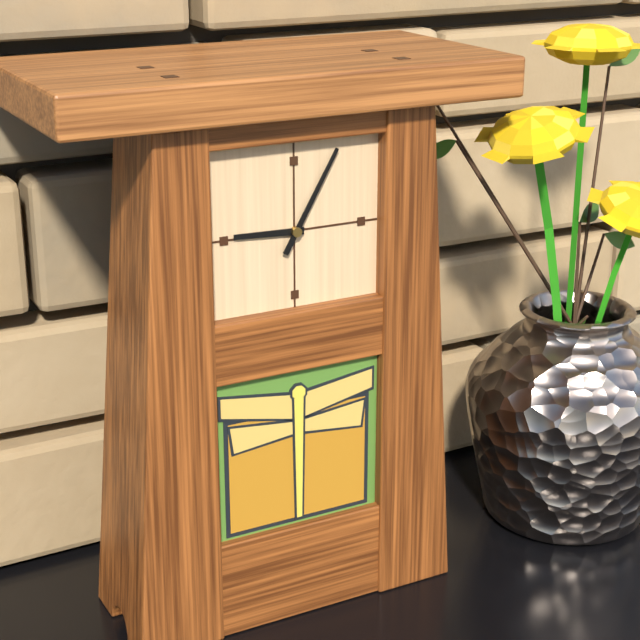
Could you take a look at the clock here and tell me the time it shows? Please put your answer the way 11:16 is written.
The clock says 9:05
